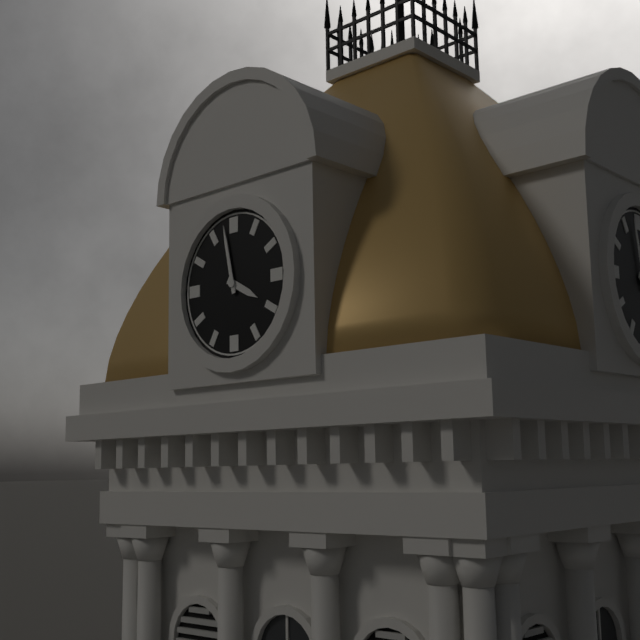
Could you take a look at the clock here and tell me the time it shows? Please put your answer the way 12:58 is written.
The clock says 3:58
